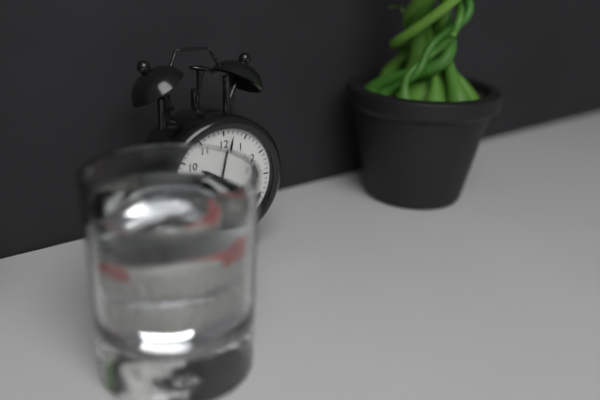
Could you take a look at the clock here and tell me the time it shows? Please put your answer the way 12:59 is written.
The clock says 10:02
